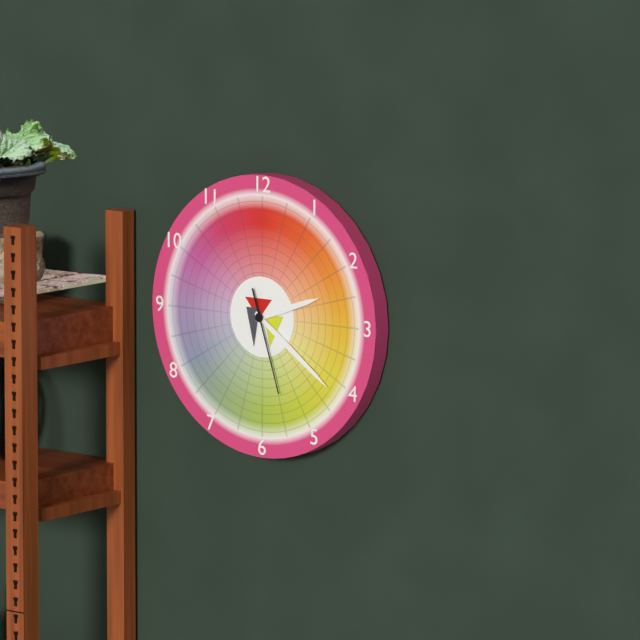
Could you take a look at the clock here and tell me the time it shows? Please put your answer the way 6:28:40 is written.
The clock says 2:21:27
